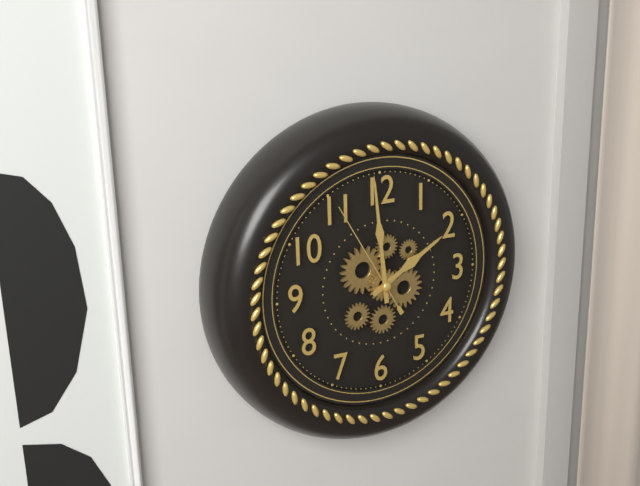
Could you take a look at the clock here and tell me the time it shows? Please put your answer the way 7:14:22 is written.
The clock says 1:59:55
